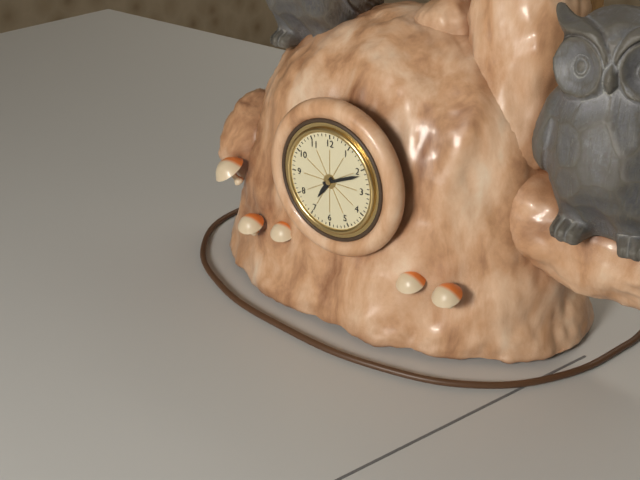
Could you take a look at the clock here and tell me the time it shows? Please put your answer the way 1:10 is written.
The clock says 7:11
